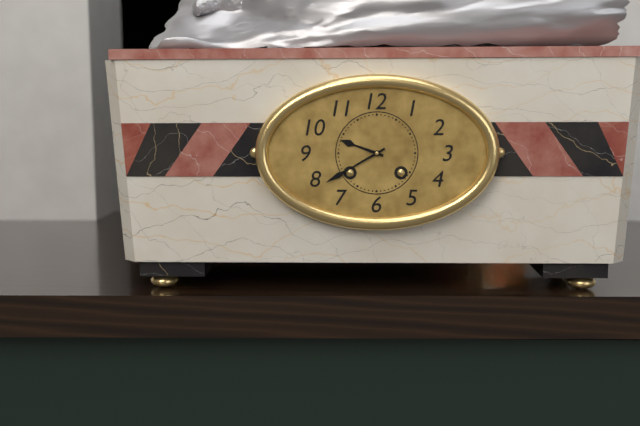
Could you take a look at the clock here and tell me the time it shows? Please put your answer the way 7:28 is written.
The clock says 9:40
